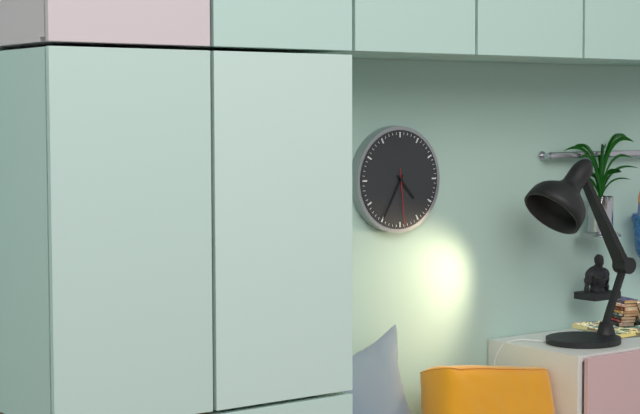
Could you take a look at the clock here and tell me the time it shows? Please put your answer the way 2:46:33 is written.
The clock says 4:35:29
